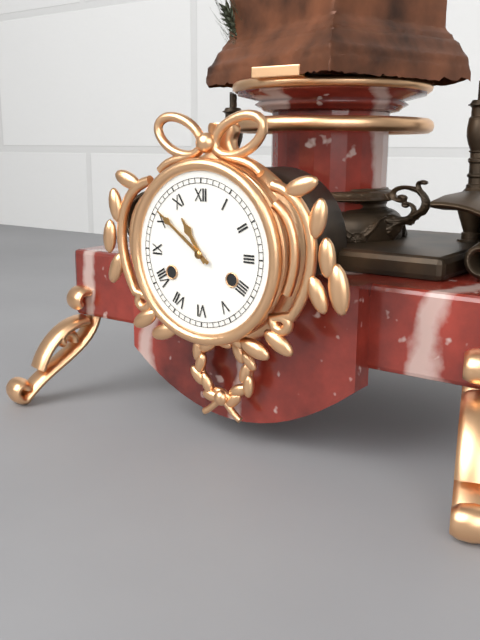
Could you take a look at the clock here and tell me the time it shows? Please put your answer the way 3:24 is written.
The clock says 10:51
